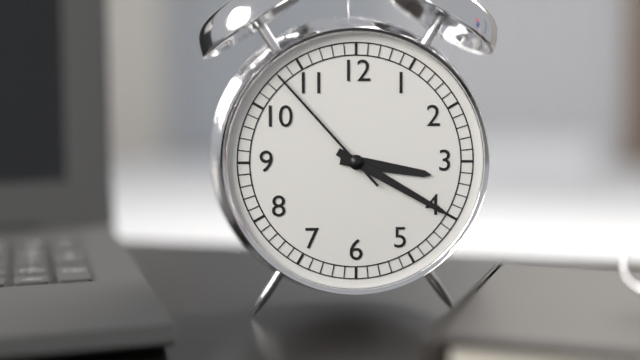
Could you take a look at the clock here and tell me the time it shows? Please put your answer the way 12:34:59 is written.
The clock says 3:20:53
